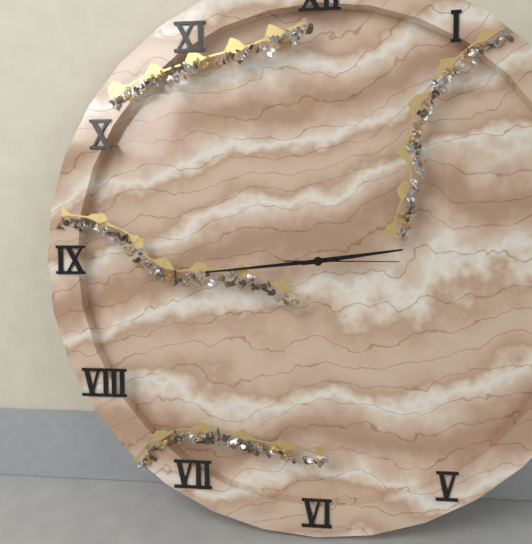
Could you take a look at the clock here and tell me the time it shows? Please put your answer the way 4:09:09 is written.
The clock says 2:44:15
